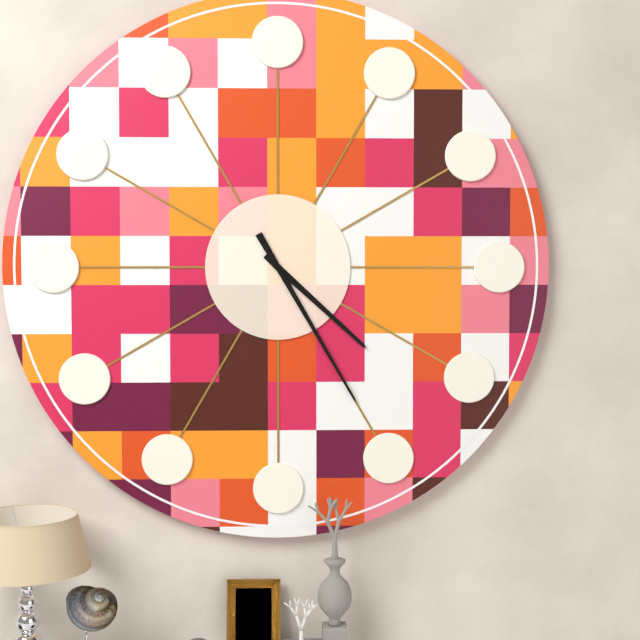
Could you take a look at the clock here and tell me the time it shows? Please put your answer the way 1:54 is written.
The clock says 4:25
